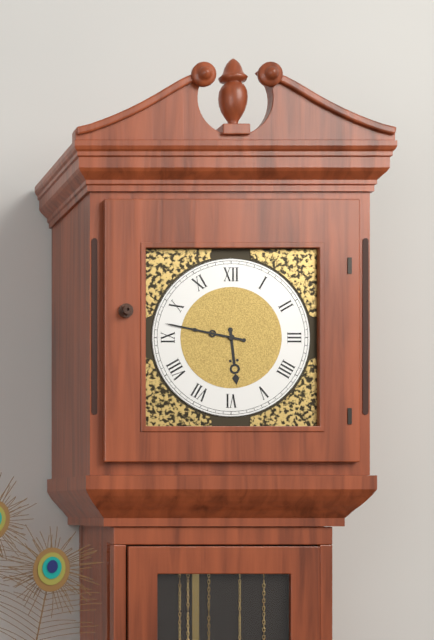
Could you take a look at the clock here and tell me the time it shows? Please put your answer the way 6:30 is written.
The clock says 5:47
